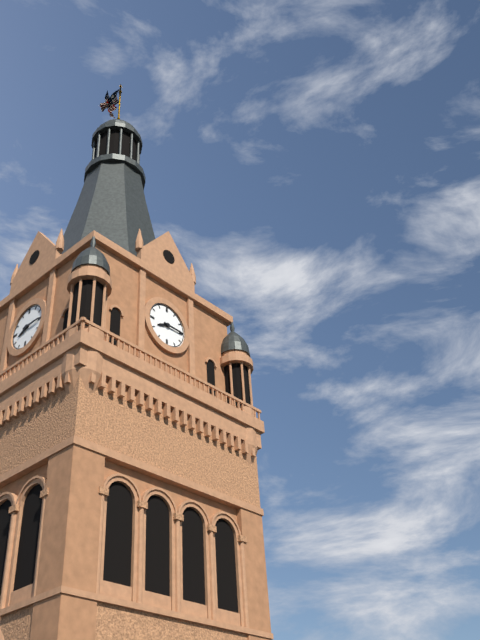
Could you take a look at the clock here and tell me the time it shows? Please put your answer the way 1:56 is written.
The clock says 8:15
